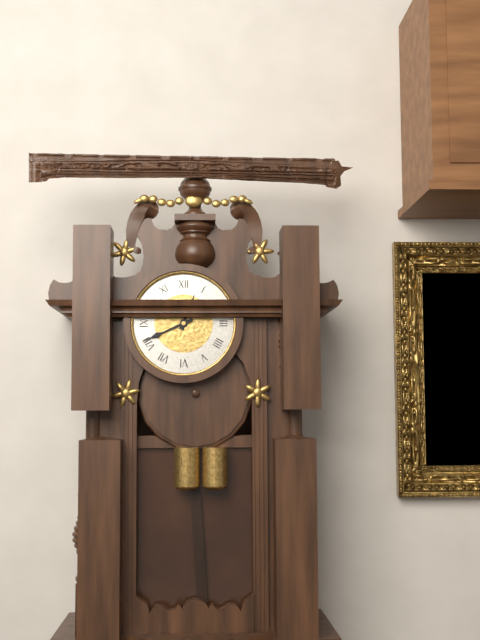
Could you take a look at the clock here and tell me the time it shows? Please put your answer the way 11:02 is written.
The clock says 12:41
